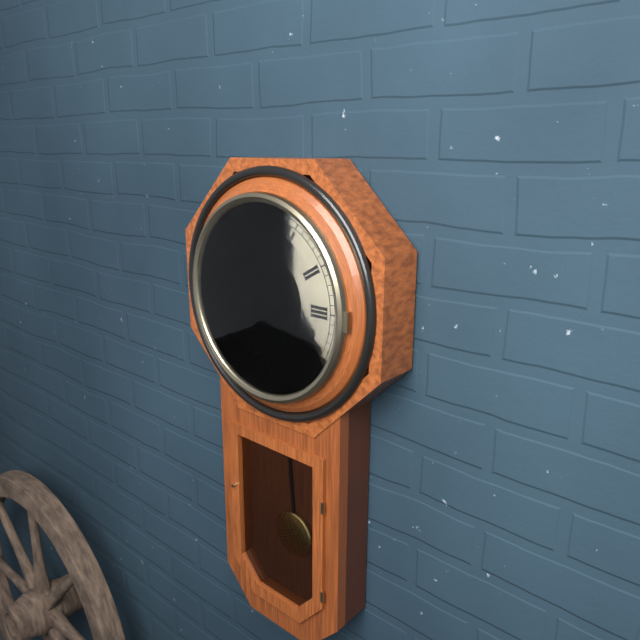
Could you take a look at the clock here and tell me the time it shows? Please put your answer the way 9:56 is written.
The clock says 4:51
